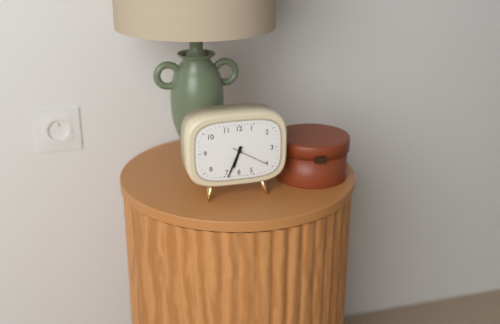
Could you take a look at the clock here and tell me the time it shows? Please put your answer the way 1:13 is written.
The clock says 6:34
